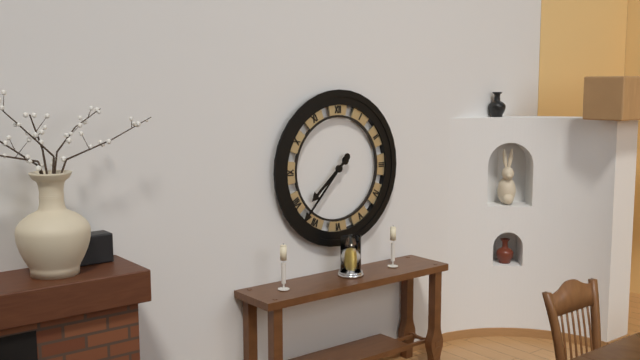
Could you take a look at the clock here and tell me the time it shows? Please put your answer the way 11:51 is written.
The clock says 7:37
